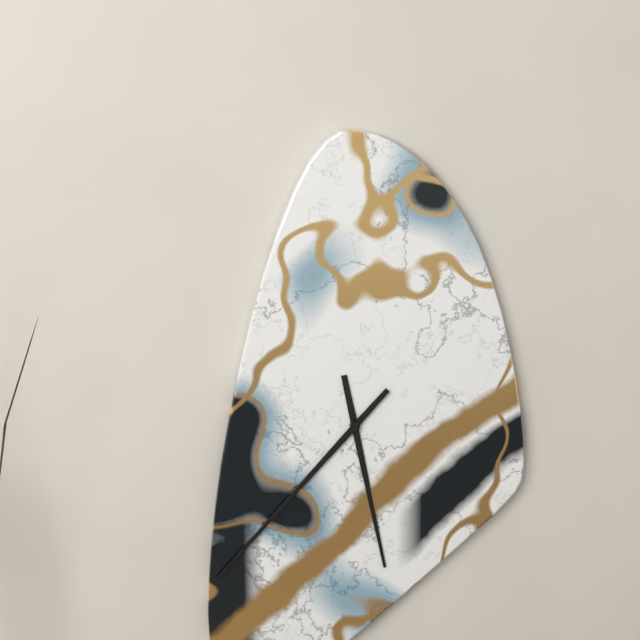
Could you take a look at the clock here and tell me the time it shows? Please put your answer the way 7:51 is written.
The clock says 5:37
